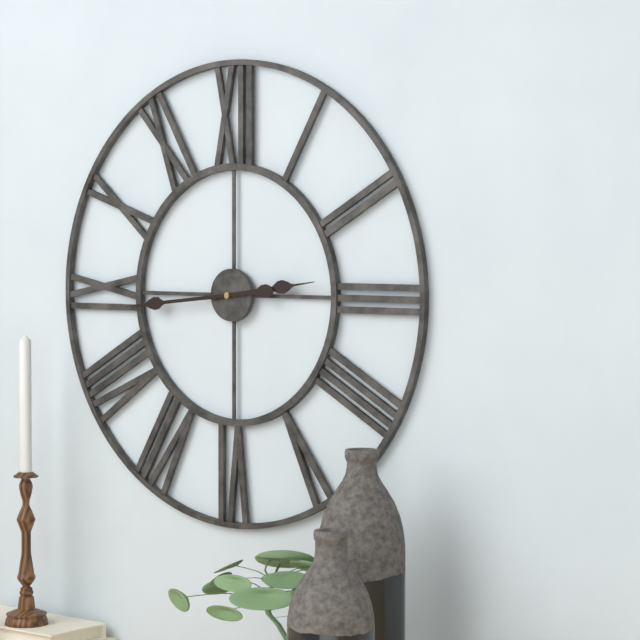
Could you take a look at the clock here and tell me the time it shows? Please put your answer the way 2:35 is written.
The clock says 2:44
